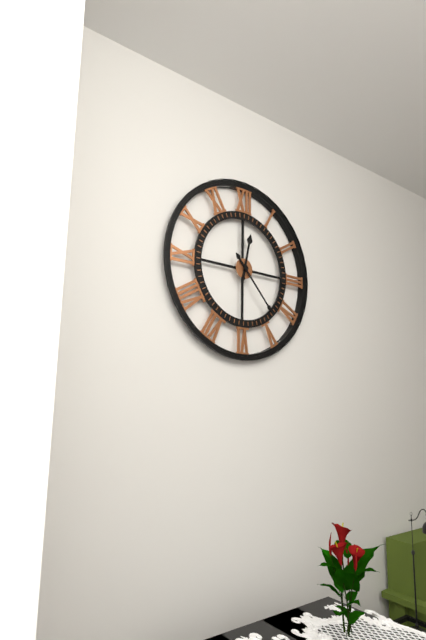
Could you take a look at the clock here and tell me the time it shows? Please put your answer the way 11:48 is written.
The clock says 12:23
